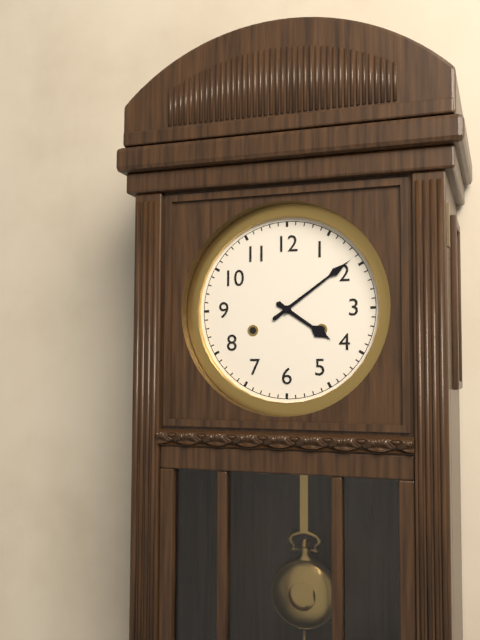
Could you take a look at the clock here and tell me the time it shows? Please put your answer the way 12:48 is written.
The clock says 4:09
